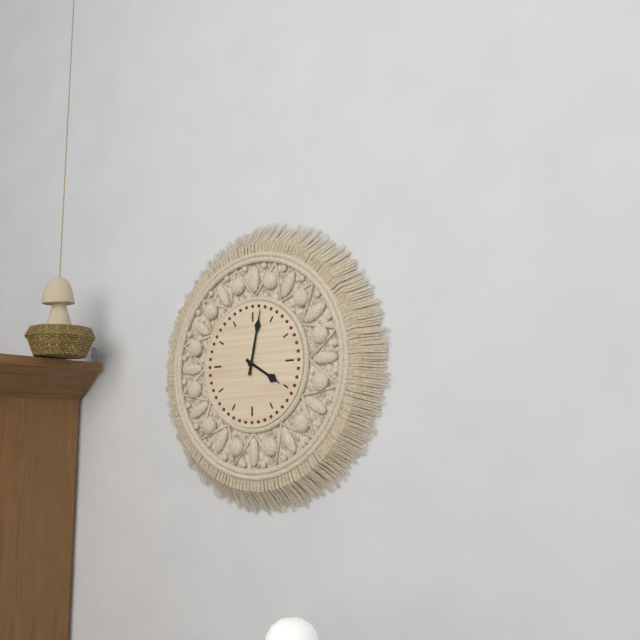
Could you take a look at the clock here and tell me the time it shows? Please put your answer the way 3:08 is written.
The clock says 4:02
